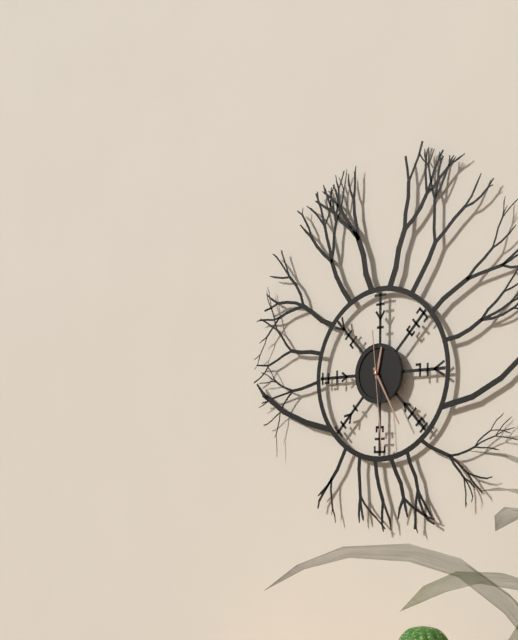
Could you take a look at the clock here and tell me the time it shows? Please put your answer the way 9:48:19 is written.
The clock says 12:25:29
